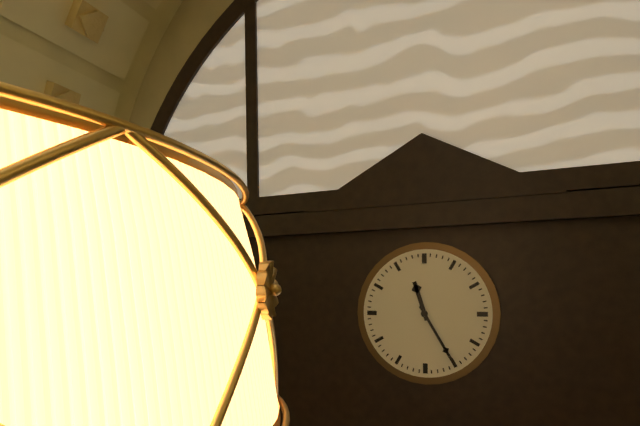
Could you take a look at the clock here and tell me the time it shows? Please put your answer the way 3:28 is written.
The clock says 11:25
